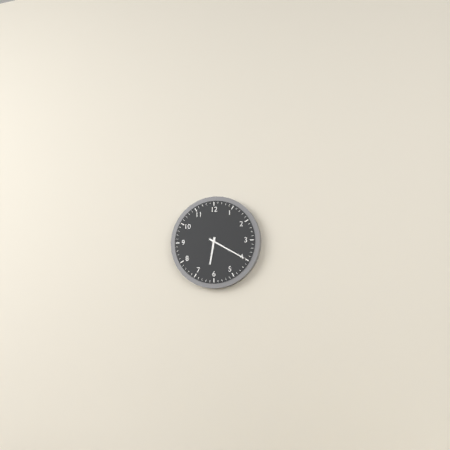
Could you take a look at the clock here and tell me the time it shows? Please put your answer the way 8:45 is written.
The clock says 6:20
